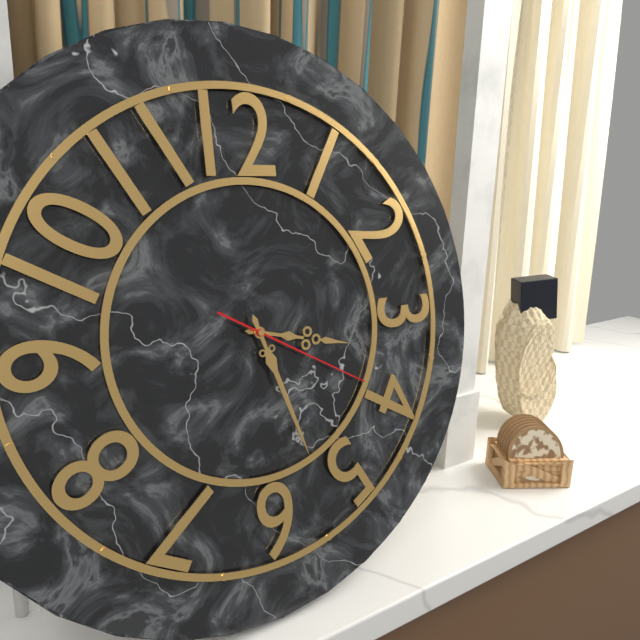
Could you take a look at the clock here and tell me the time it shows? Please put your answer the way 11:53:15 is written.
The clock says 3:27:20
